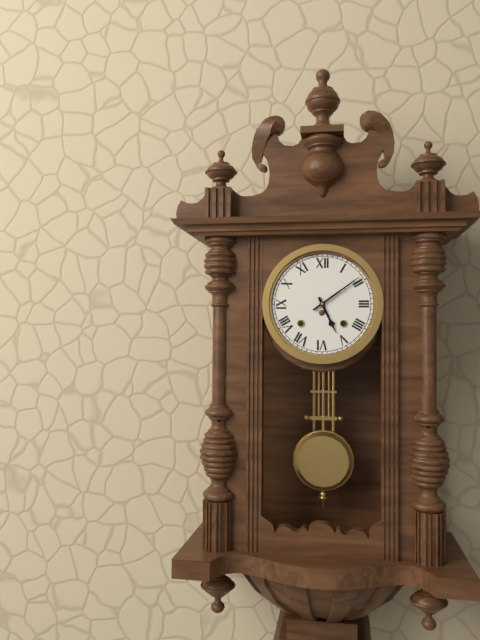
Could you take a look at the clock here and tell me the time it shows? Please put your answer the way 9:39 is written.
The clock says 5:09
